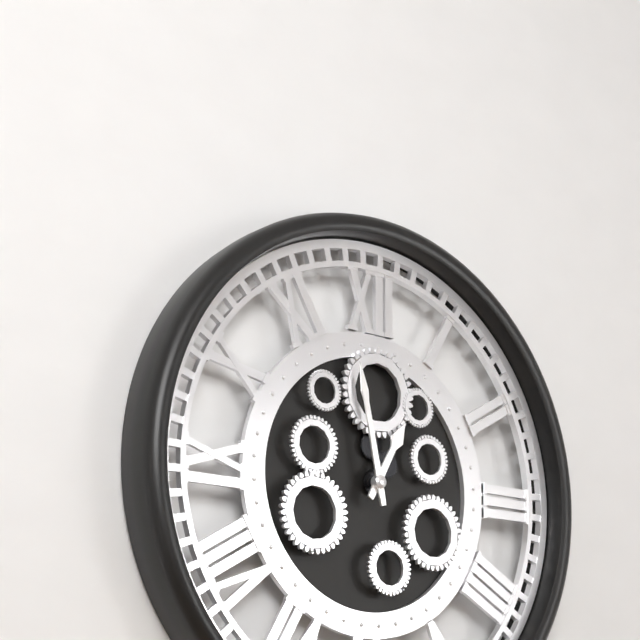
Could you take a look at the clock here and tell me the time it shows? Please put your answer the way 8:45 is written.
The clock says 12:58
